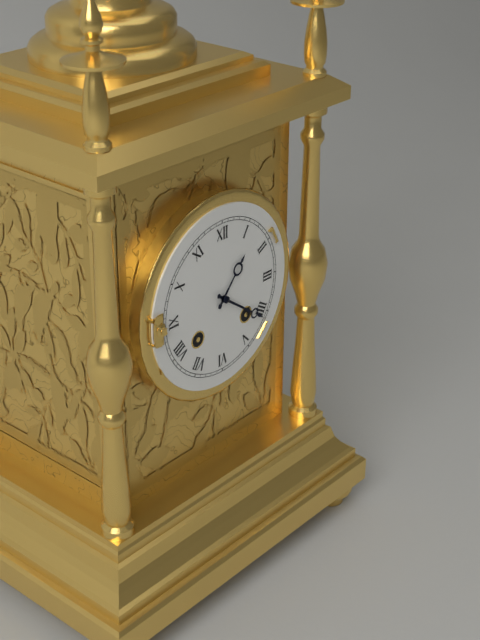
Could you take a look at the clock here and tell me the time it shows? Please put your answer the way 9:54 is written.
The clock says 1:21
